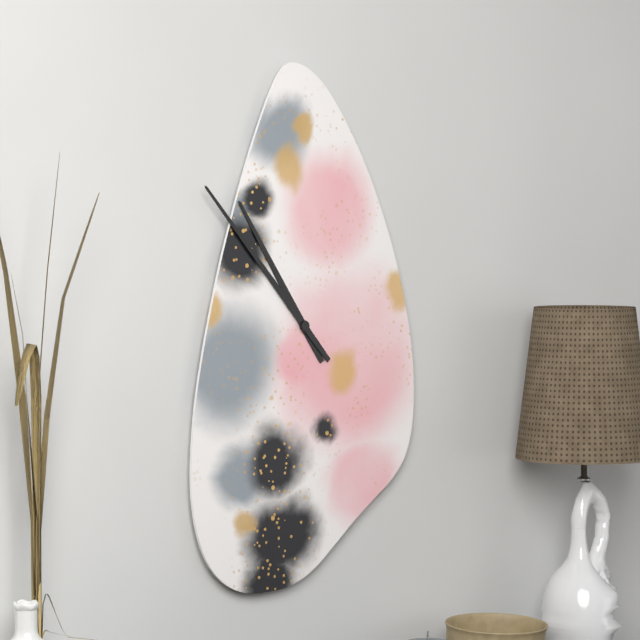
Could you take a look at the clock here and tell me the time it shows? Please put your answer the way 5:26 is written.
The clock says 10:53
